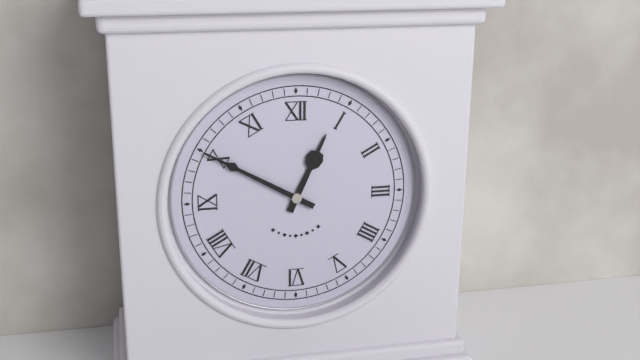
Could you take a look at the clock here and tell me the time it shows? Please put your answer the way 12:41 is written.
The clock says 12:50
